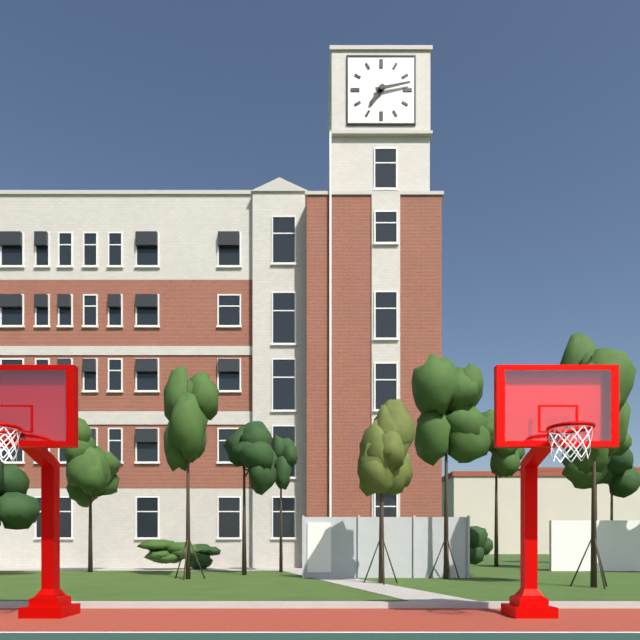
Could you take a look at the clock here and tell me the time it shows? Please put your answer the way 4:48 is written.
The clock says 7:13
